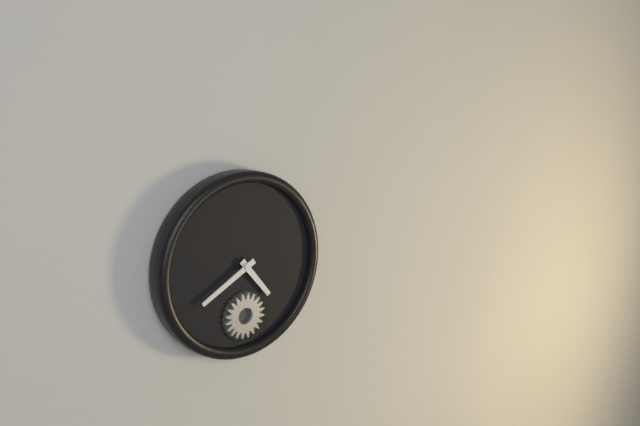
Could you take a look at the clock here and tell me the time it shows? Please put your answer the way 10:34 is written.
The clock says 4:40
